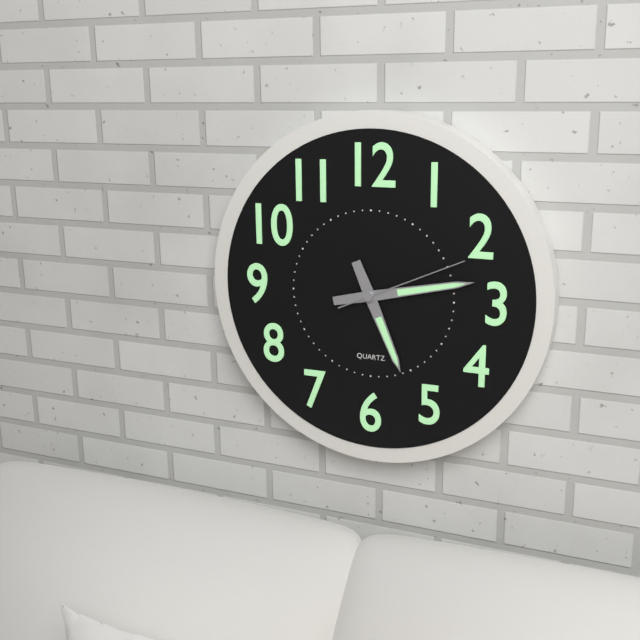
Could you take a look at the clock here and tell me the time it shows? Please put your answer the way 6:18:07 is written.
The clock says 5:13:11
